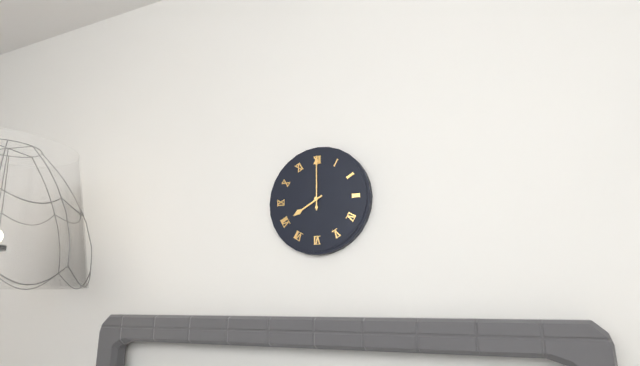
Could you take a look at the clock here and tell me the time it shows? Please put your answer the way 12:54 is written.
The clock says 8:00
